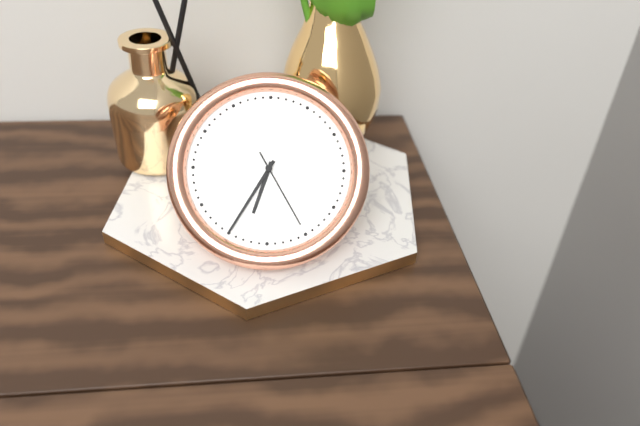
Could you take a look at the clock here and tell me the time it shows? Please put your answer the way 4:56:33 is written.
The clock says 6:35:25
